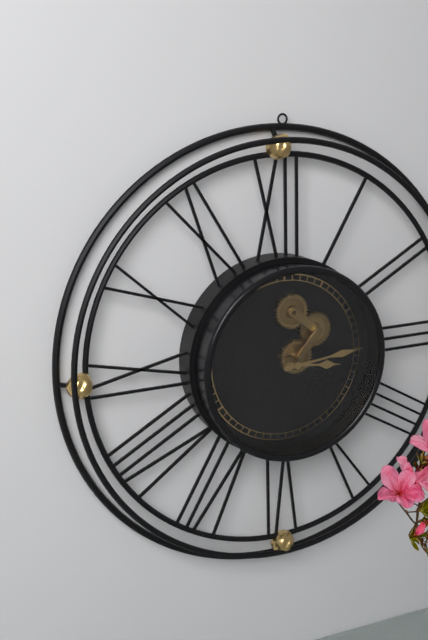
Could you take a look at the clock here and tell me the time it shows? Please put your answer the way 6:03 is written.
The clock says 3:14
